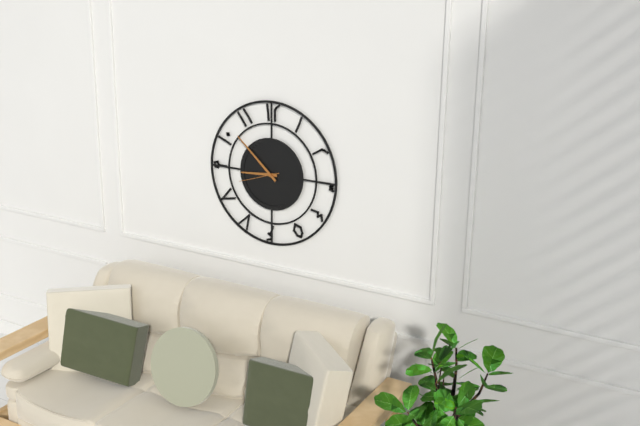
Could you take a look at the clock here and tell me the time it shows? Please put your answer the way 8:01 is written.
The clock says 8:52
